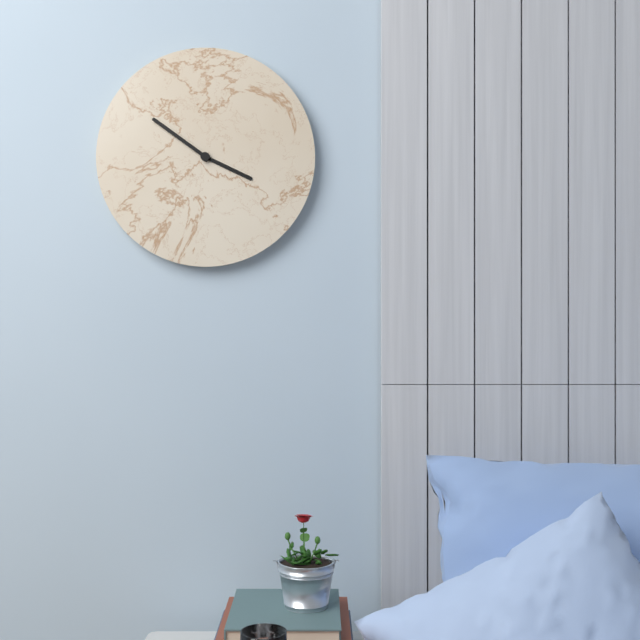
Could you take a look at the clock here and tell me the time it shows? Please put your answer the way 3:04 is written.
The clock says 3:51
